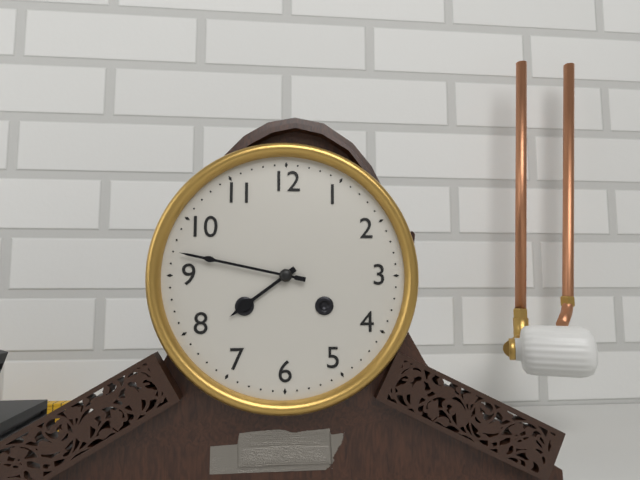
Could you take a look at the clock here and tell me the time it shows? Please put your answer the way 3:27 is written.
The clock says 7:47
